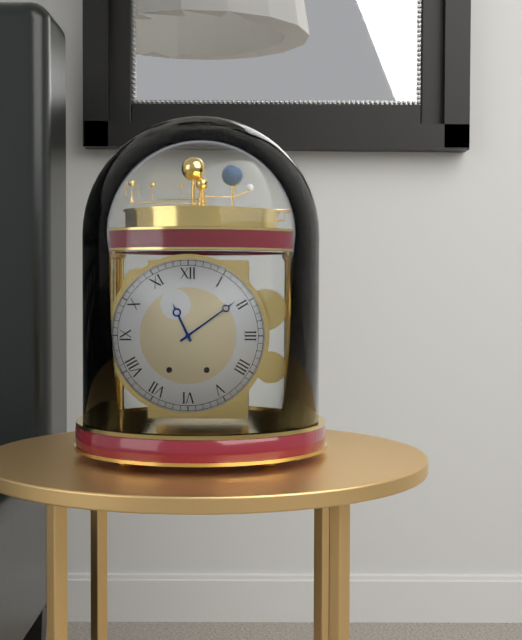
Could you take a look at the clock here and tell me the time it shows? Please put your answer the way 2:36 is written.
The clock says 11:09
